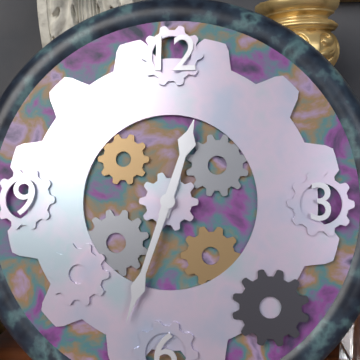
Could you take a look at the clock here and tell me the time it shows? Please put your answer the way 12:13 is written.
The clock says 12:33
